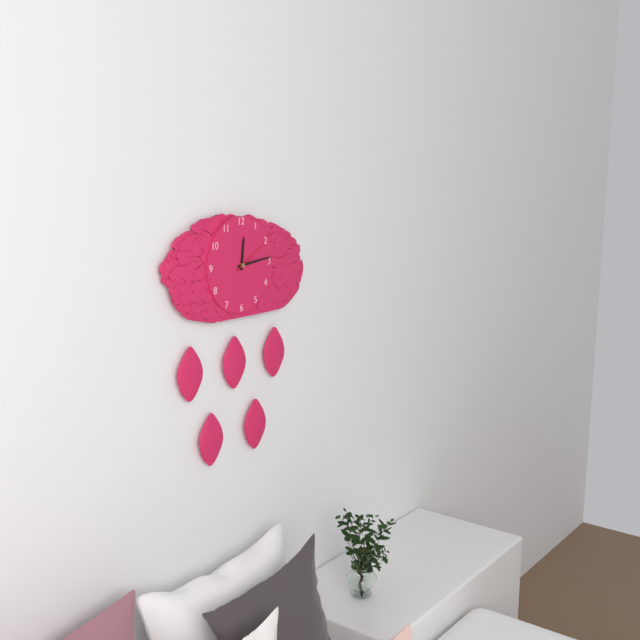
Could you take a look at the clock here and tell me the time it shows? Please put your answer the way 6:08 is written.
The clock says 12:14
